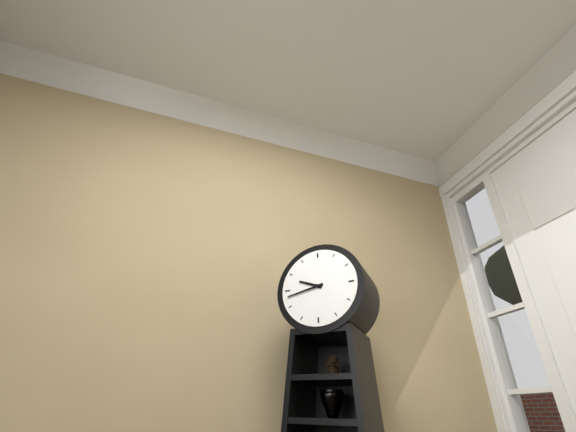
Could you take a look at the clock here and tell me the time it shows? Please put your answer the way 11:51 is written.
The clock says 9:43
